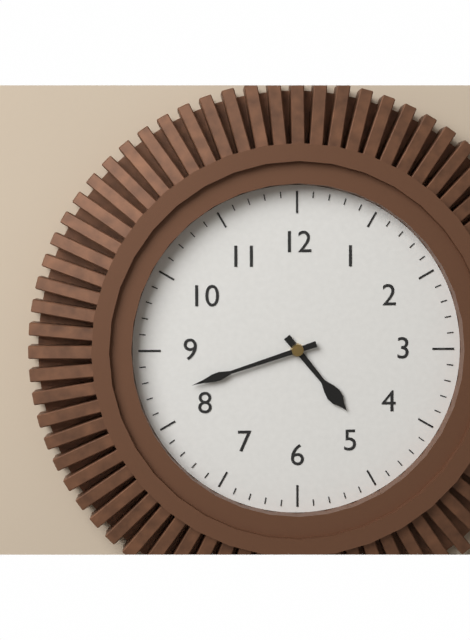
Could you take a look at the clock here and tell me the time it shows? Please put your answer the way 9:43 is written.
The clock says 4:42
